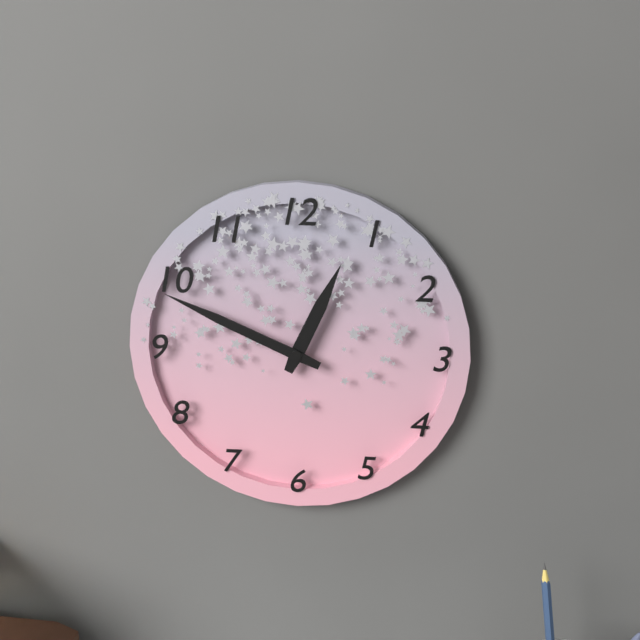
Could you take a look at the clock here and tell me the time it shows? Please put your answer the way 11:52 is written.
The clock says 12:49
